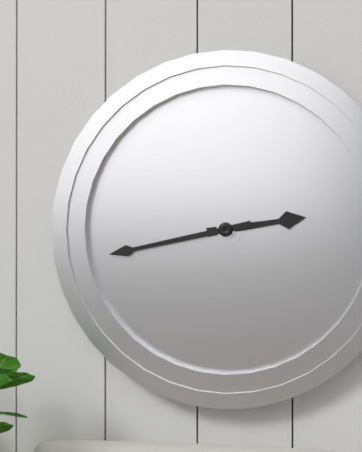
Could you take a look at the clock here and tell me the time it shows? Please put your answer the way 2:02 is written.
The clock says 2:43
